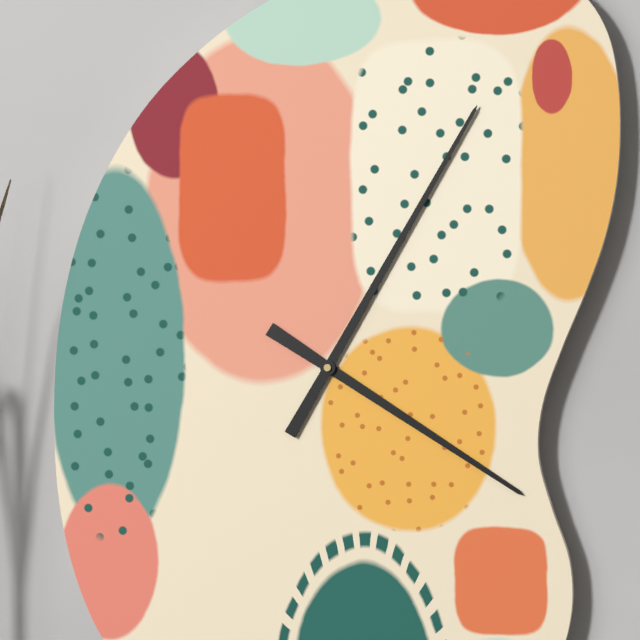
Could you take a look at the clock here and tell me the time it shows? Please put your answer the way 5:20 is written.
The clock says 4:05
